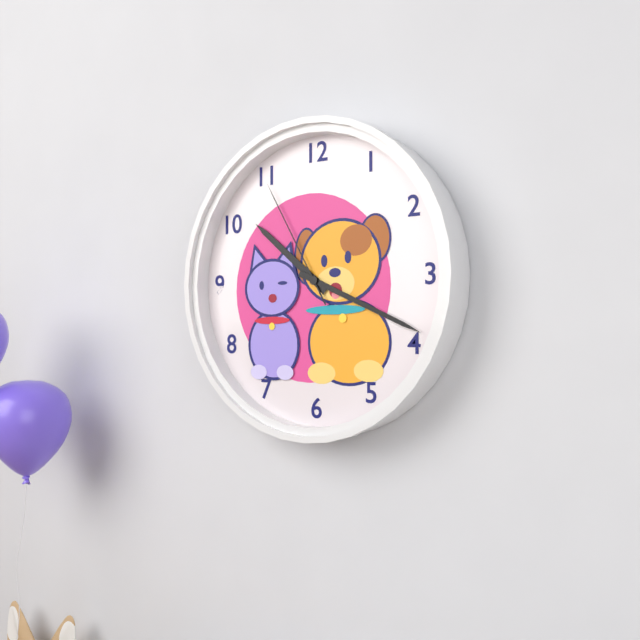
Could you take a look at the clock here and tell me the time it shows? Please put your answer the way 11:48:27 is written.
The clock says 10:19:55
